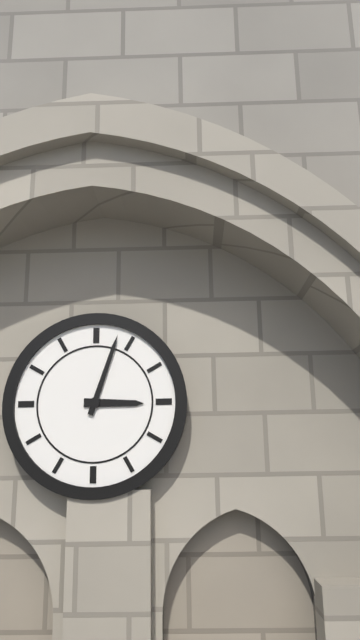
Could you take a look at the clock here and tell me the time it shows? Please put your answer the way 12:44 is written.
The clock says 3:03
